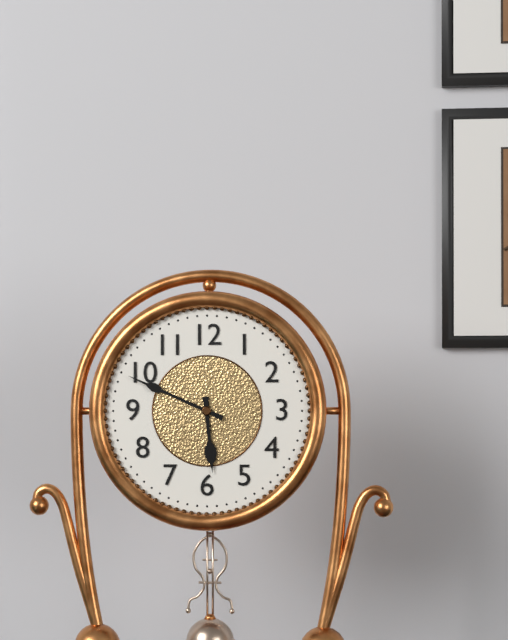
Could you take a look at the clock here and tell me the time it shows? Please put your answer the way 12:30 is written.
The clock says 5:49
